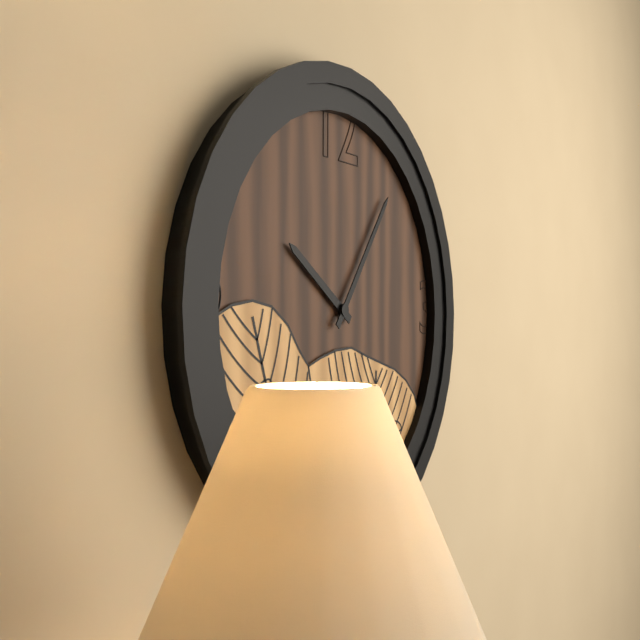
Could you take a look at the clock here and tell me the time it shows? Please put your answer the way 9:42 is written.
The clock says 10:06
